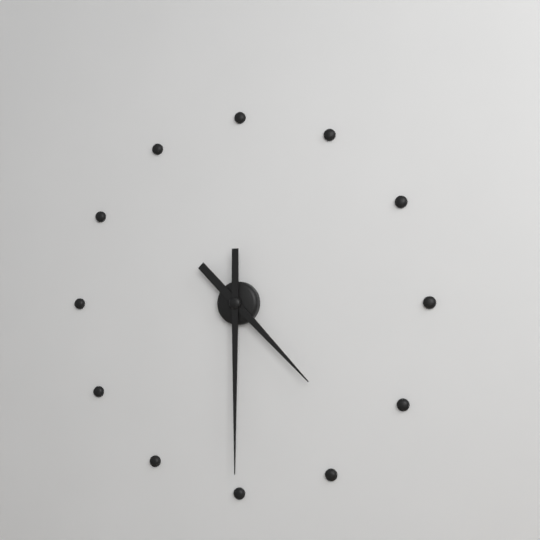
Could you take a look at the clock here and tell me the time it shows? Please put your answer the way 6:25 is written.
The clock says 4:30
